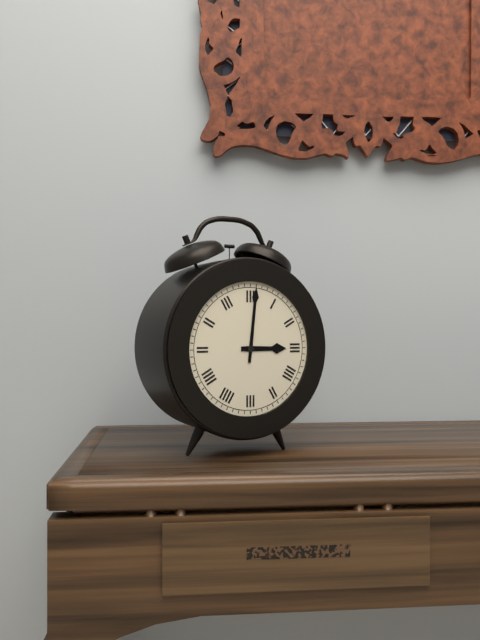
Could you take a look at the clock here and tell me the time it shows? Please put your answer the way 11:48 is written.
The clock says 3:01
